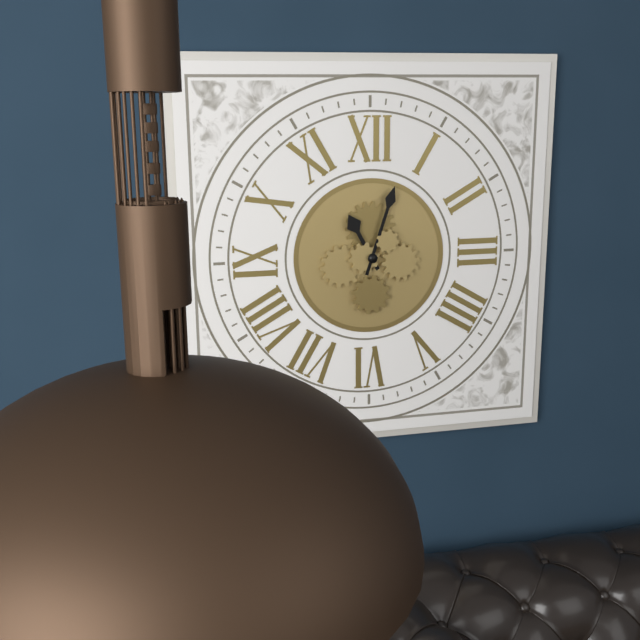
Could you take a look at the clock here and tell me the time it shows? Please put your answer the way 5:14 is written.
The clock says 11:03
